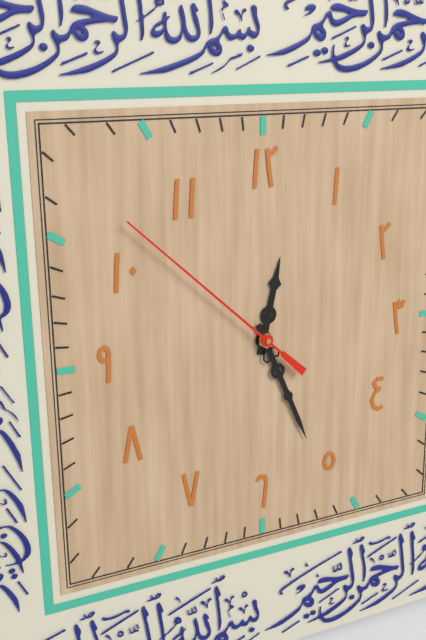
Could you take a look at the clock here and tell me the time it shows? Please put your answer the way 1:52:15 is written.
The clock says 12:26:52
